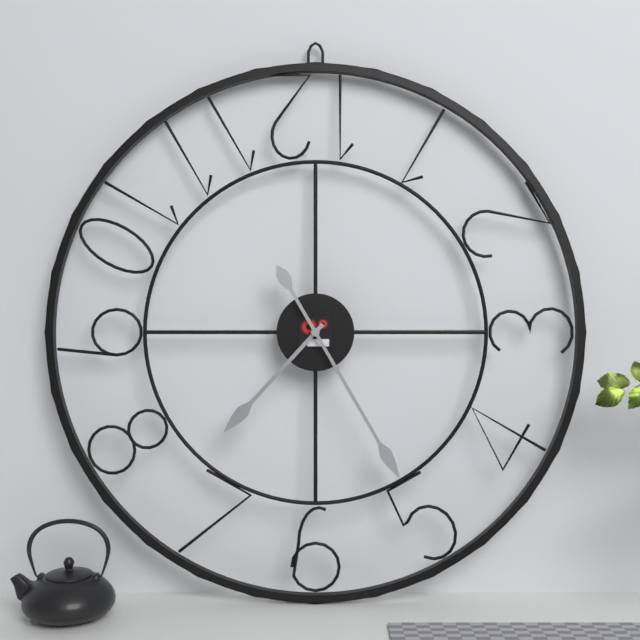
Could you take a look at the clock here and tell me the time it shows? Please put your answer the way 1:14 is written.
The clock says 7:25
